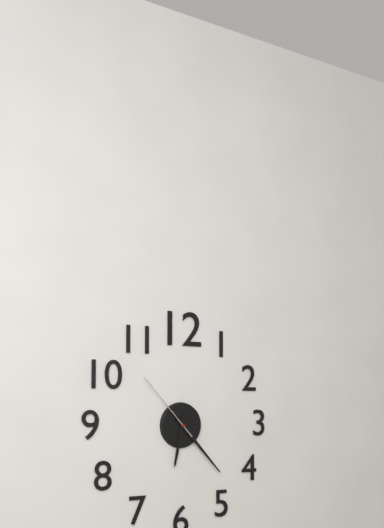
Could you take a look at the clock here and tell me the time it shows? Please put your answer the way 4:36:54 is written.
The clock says 6:23:53
